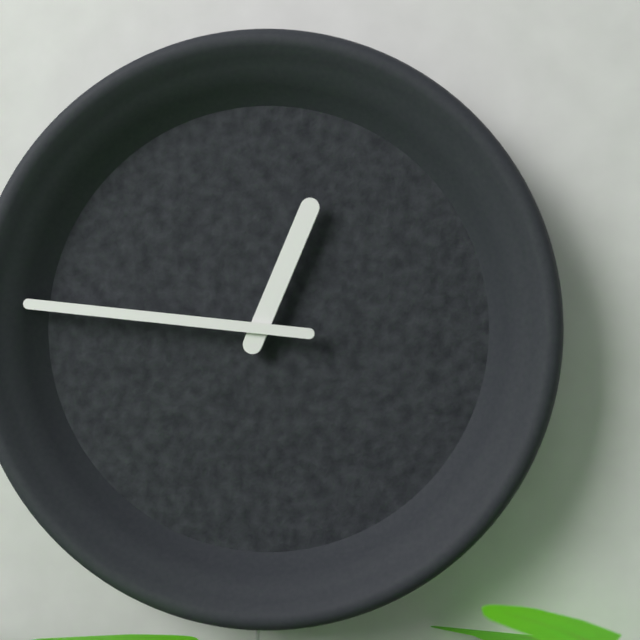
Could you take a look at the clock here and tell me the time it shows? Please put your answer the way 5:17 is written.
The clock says 12:46
